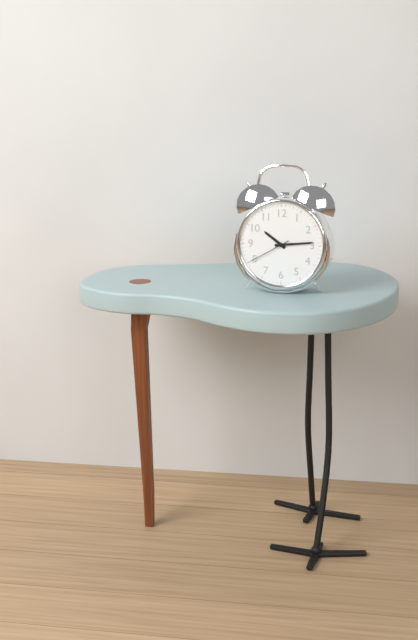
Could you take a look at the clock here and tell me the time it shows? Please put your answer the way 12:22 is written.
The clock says 10:14
